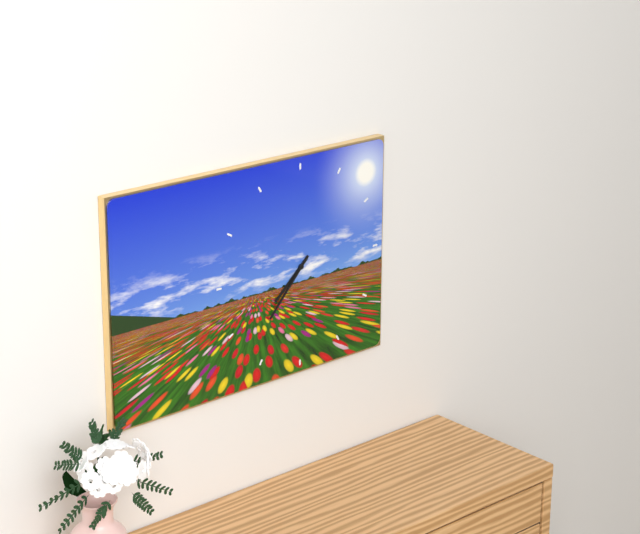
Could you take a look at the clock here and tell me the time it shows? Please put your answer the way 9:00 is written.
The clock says 7:37
